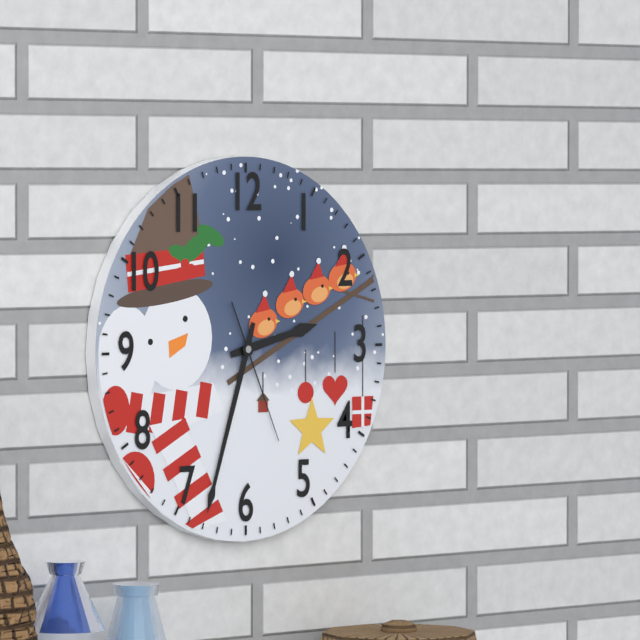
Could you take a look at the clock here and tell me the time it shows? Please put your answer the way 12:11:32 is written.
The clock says 2:33:26
